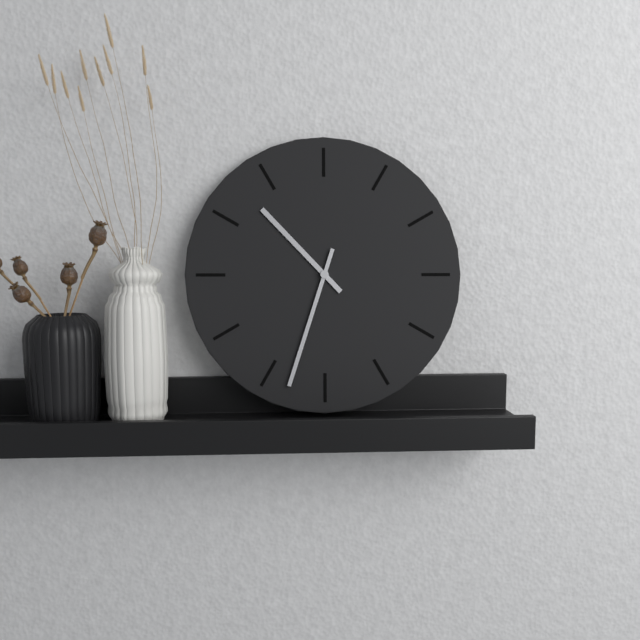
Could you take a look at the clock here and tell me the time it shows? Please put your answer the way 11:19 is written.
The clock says 10:33
